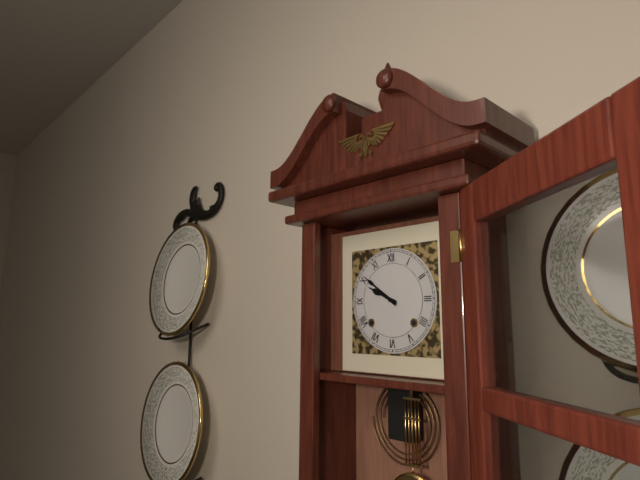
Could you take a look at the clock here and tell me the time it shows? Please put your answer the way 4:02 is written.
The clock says 9:51
